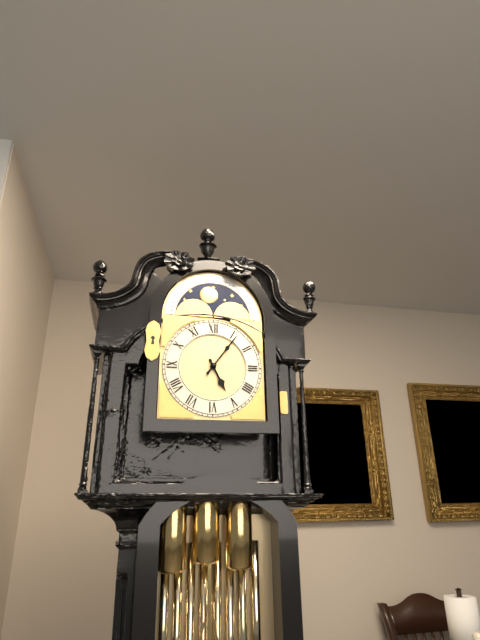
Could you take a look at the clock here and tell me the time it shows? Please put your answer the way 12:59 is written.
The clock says 5:06
